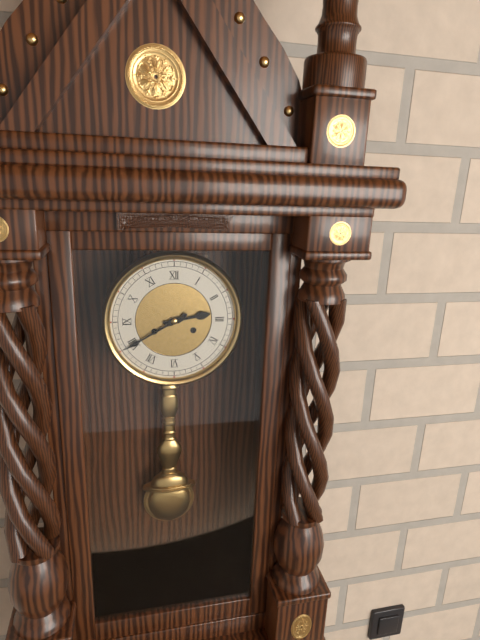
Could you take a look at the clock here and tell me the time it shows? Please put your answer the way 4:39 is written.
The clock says 2:40
